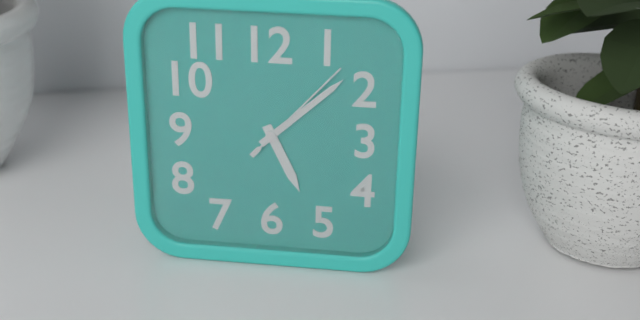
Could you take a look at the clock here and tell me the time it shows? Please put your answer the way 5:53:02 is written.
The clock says 5:08:07
